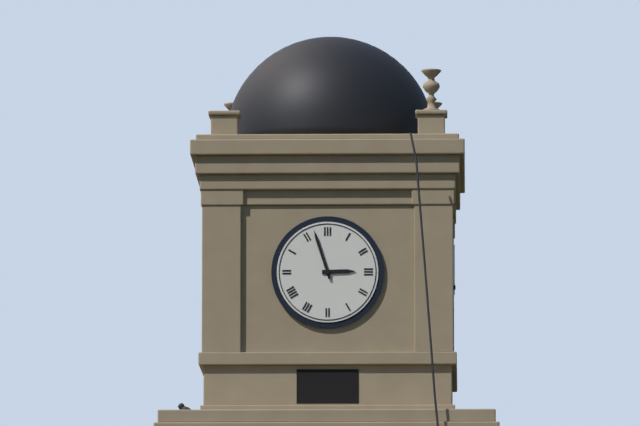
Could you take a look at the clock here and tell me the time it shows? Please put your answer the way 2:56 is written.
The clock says 2:57
